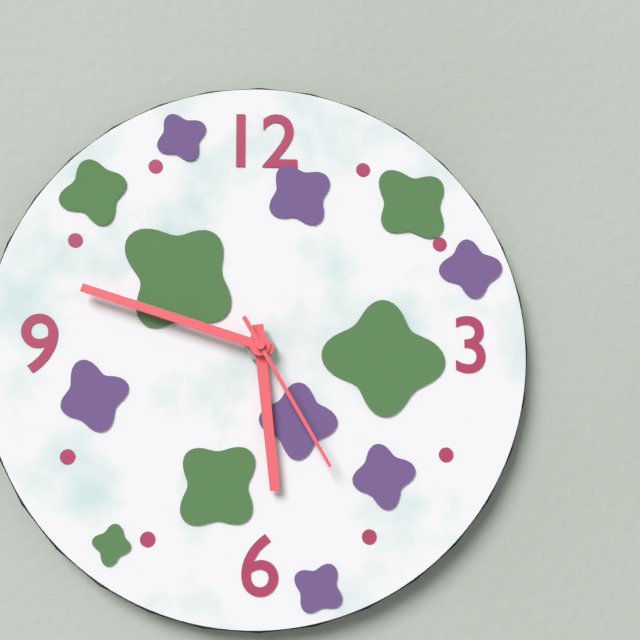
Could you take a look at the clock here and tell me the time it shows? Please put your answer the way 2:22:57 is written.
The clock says 5:48:25
